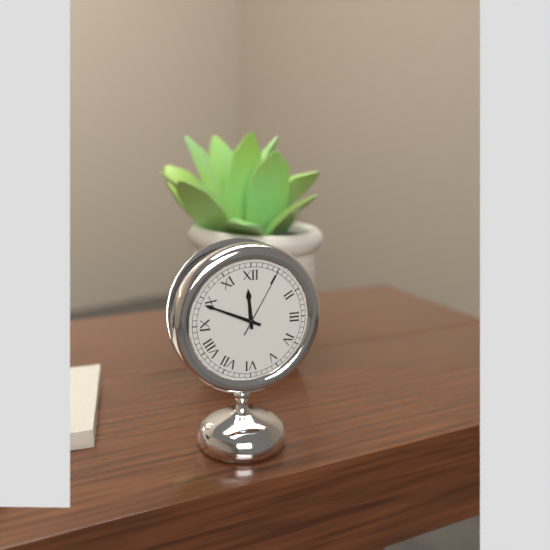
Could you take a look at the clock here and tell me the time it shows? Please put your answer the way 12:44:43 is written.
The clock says 11:49:05
